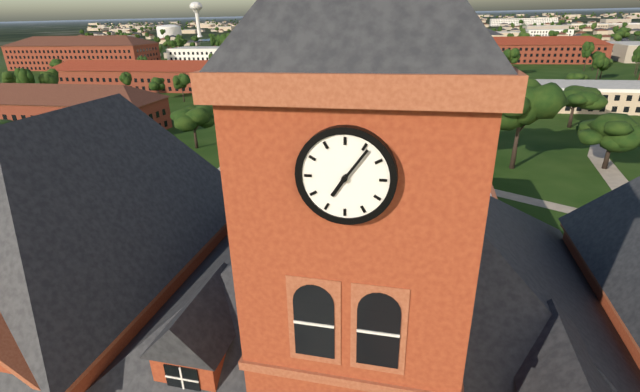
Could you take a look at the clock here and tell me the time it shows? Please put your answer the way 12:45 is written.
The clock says 7:06
